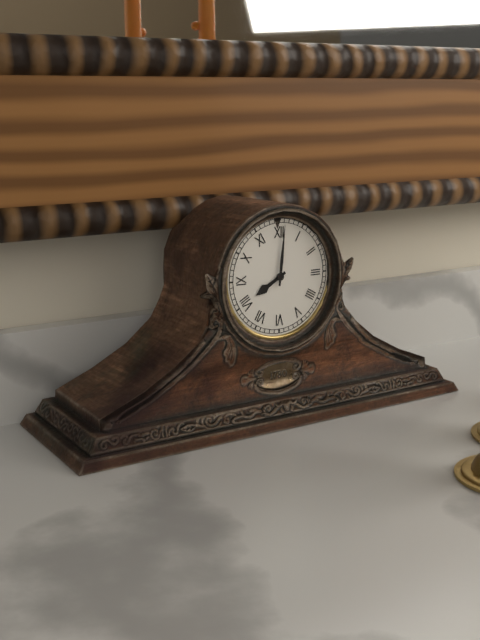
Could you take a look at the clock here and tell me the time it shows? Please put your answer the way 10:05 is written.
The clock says 8:01
